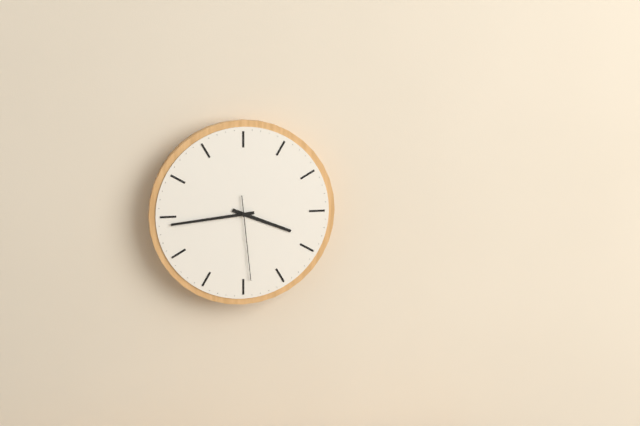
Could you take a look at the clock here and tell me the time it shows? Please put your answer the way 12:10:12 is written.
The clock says 3:44:29
